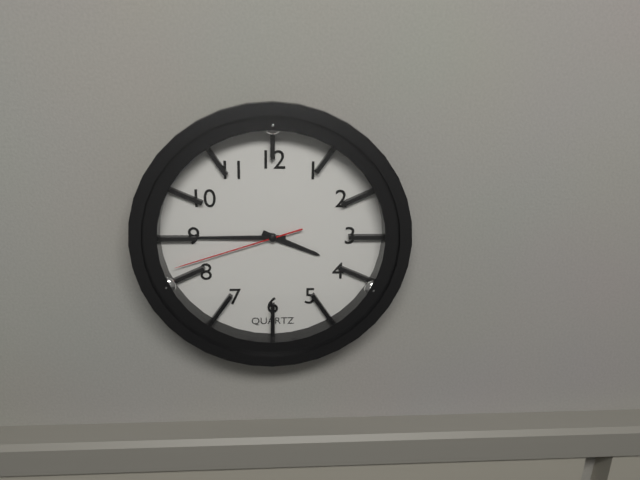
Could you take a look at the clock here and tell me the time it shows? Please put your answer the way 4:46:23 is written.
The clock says 3:45:42
